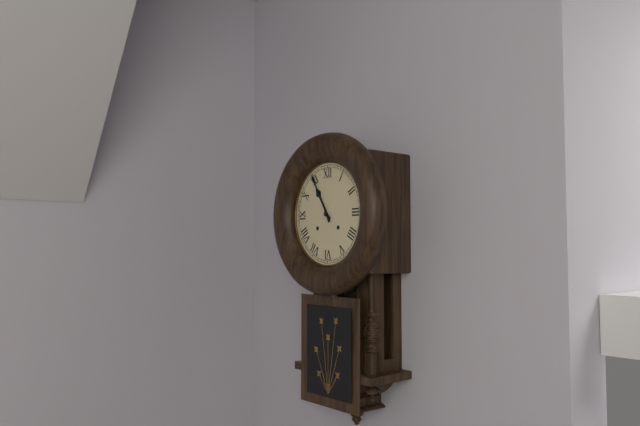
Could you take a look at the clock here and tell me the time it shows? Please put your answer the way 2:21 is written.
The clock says 10:55
